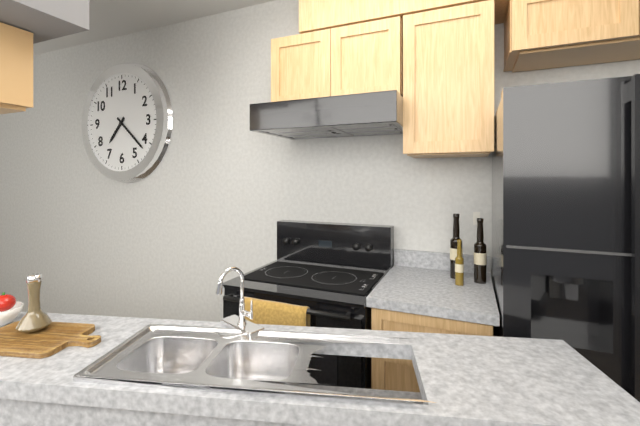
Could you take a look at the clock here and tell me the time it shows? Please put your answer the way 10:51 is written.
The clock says 7:22
